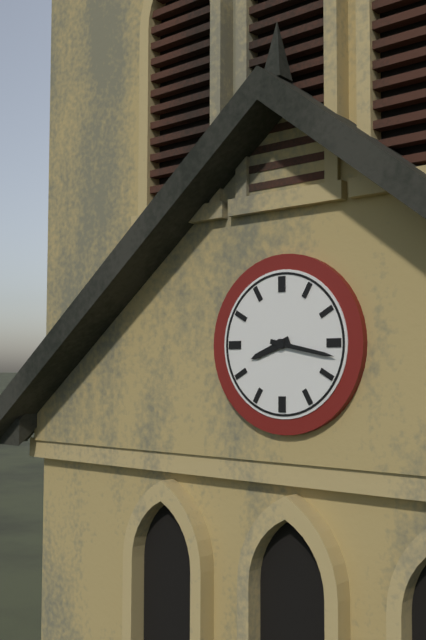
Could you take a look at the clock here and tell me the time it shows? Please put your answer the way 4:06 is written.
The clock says 8:17
